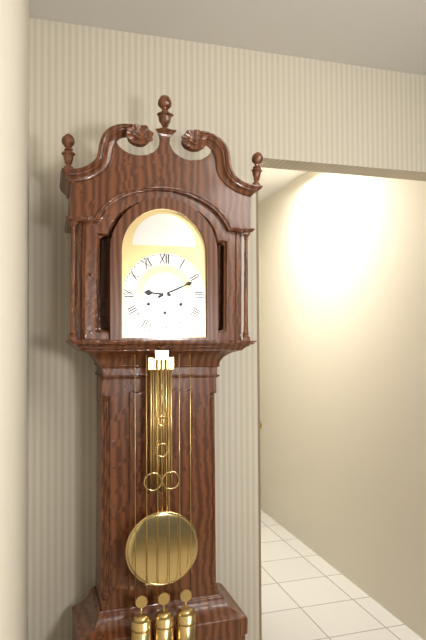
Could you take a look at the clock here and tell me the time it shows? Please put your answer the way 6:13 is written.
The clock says 9:11
